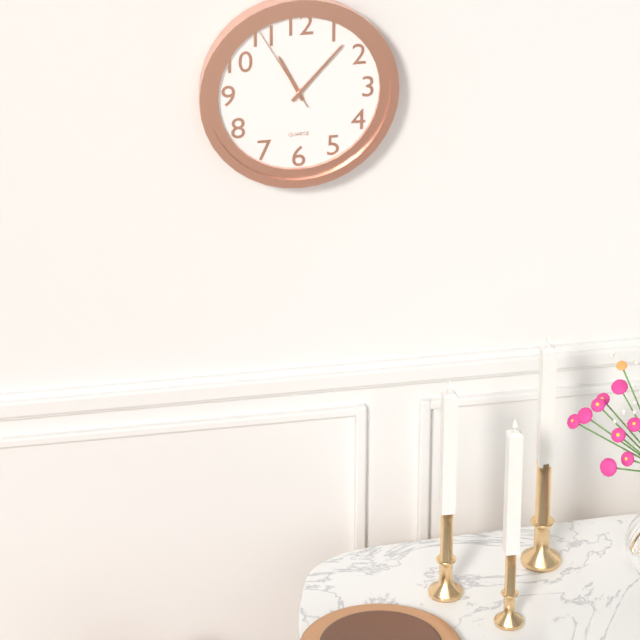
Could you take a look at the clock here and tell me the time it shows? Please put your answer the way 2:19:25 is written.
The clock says 11:07:55
